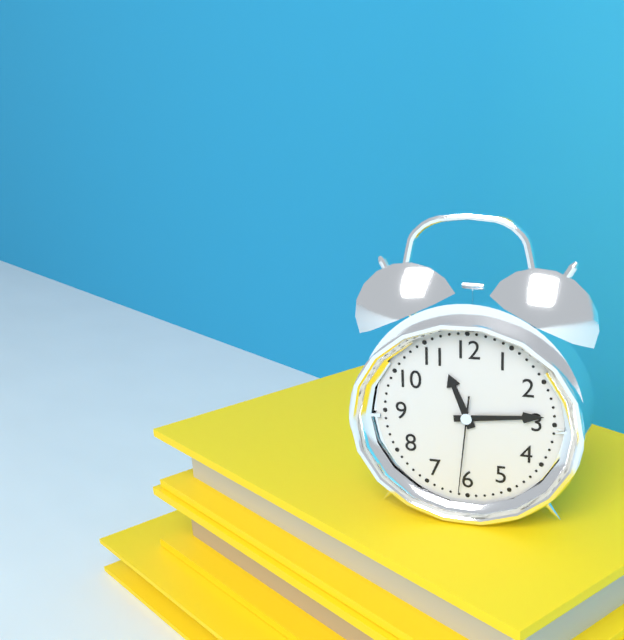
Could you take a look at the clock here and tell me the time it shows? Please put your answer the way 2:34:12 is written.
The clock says 11:14:31
